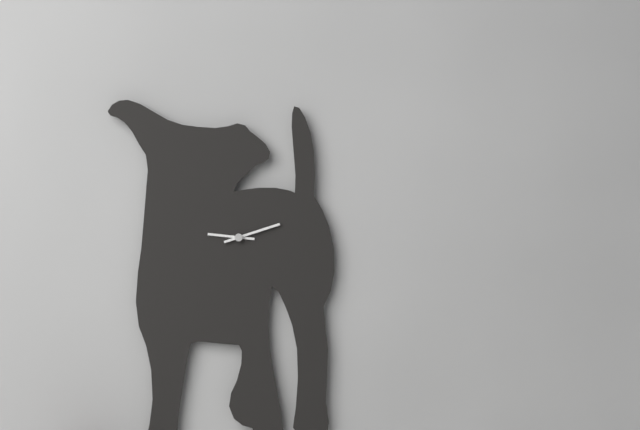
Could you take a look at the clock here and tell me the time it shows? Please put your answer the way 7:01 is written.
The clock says 9:12
